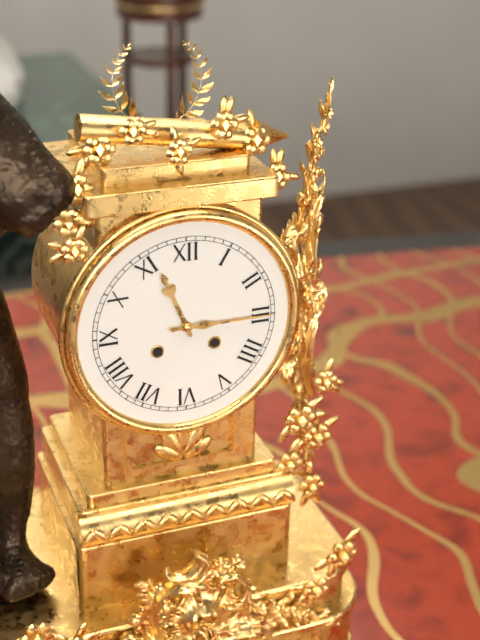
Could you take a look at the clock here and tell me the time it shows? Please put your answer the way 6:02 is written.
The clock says 11:15
